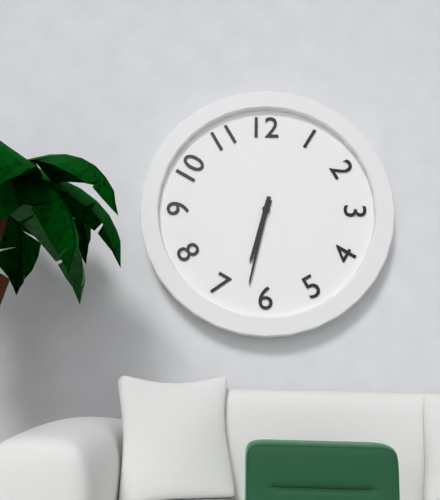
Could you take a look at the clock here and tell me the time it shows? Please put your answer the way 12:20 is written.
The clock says 6:32
